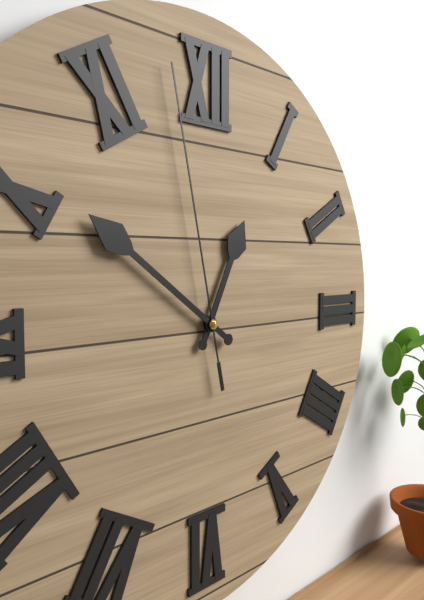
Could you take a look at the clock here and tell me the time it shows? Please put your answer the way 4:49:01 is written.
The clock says 12:51:58
